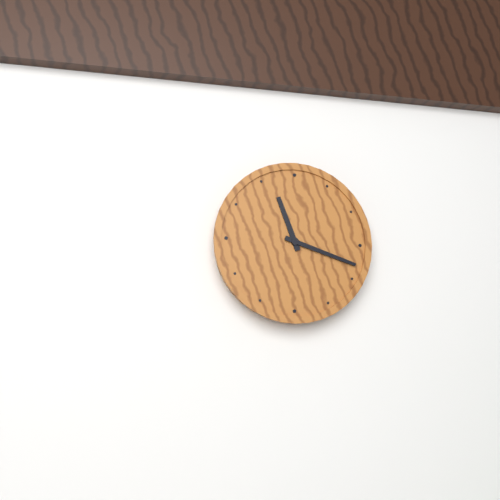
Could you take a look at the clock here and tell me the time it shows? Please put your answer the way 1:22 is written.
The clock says 11:18
